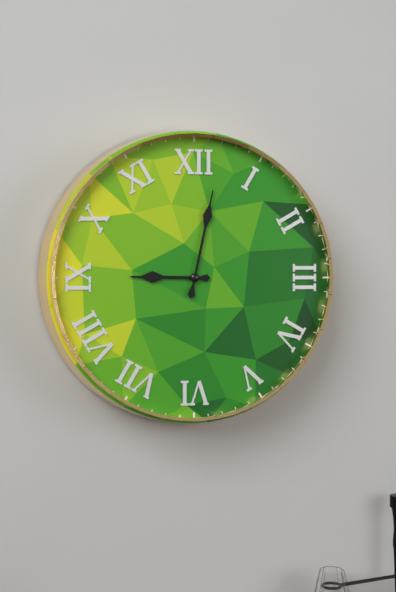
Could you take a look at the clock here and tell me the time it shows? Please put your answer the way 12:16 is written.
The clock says 9:02
